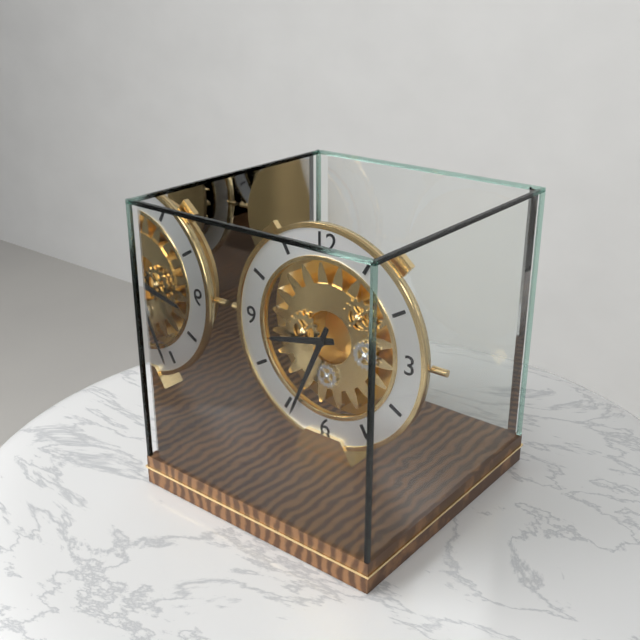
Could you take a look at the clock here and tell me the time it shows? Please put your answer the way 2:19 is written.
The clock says 8:34
